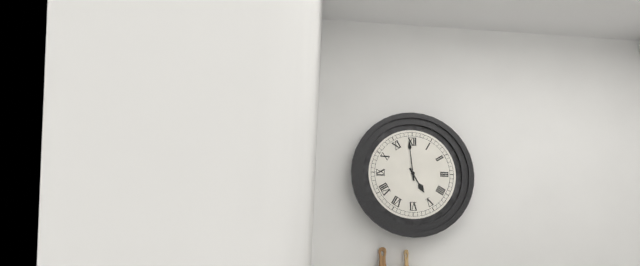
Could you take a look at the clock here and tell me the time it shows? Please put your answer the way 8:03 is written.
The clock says 4:59
